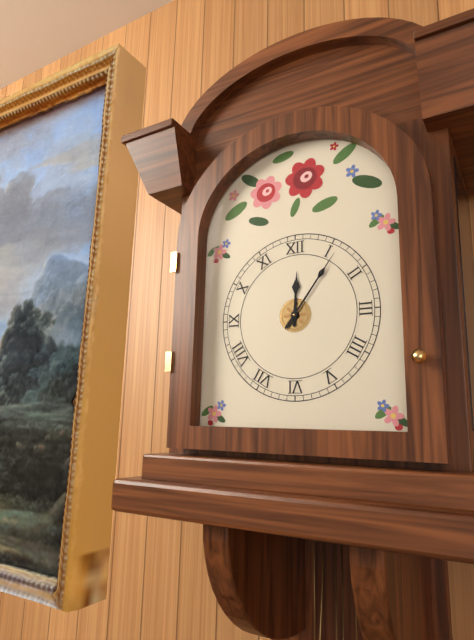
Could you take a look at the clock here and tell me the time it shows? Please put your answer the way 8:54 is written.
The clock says 12:06
